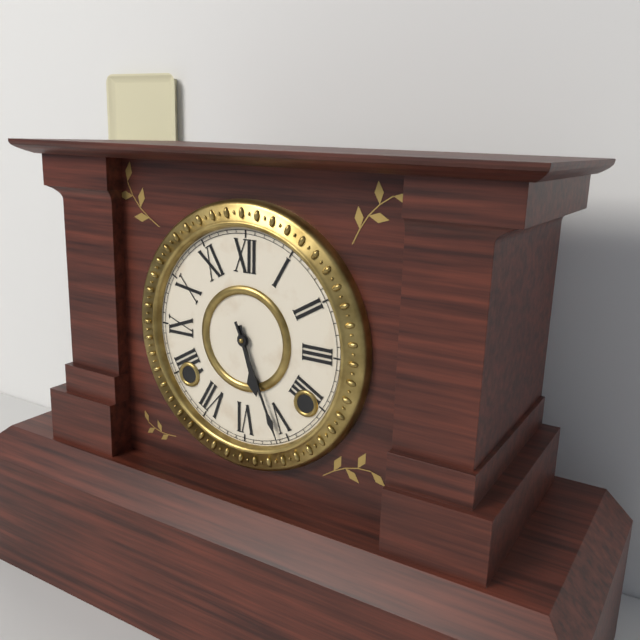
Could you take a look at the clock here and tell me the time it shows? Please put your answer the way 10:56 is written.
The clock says 5:26
